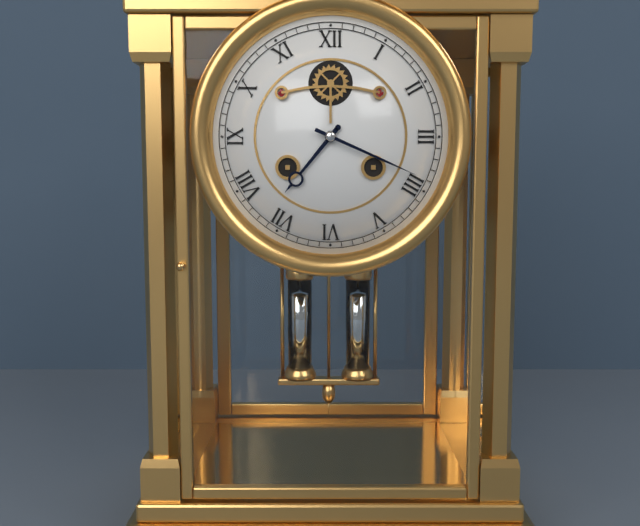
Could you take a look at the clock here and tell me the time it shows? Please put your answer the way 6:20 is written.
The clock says 7:19
